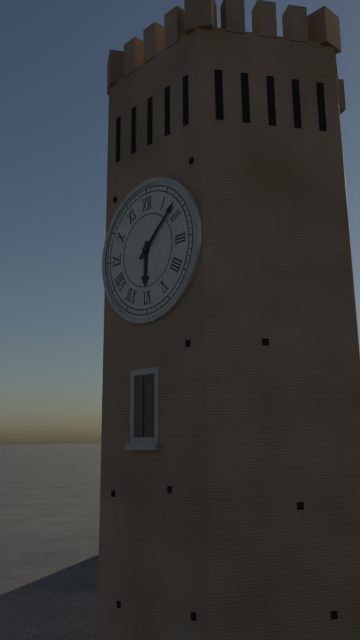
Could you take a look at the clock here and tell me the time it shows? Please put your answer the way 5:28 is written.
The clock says 6:08
